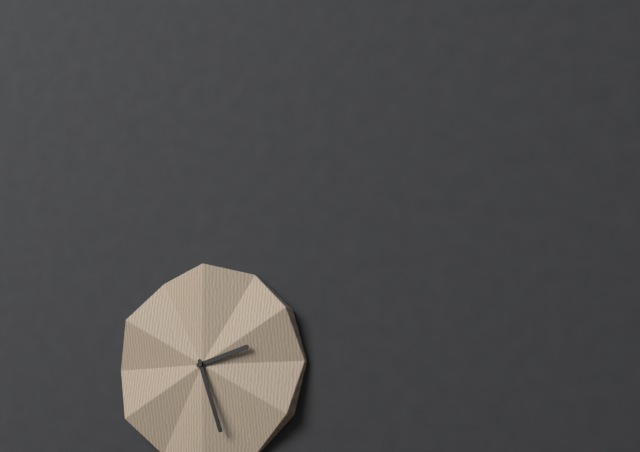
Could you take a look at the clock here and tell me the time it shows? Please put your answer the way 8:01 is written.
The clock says 2:27
